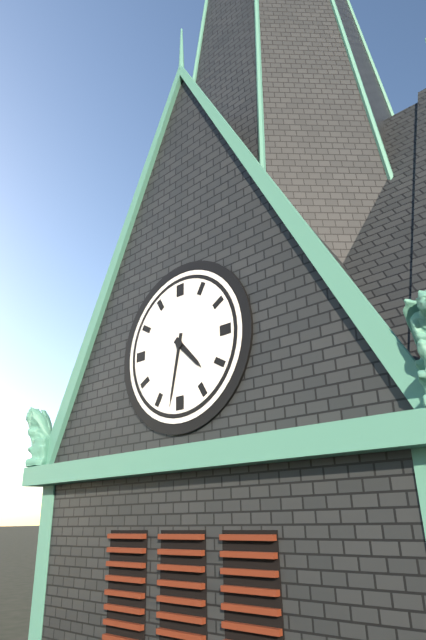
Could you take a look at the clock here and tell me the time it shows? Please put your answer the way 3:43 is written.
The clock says 4:32
